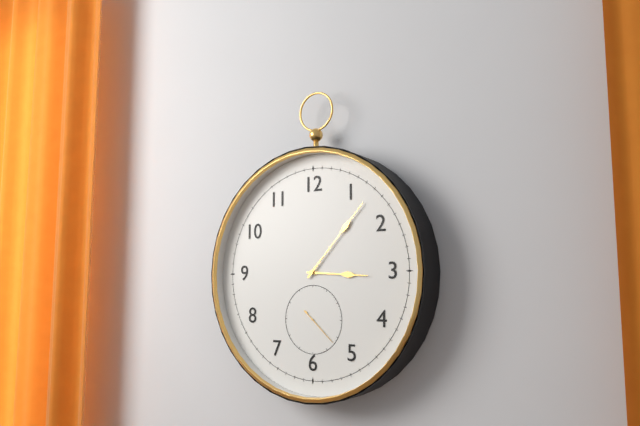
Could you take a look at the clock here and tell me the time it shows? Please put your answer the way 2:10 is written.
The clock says 3:07
